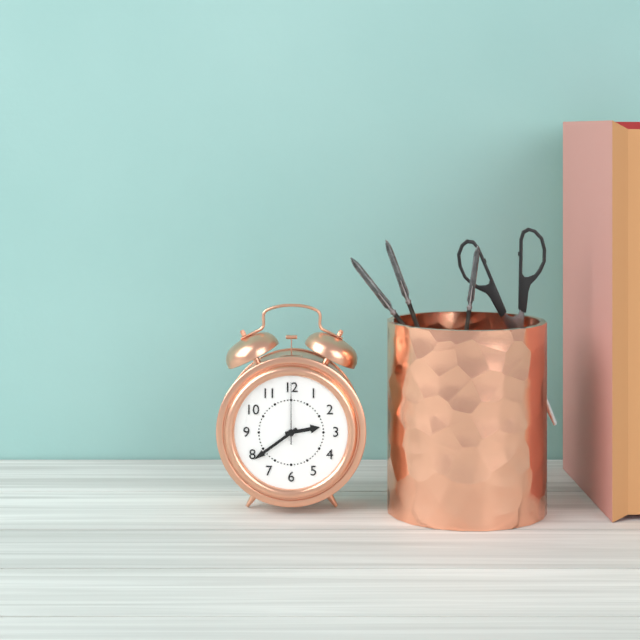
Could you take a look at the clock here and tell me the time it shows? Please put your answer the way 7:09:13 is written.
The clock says 2:39:00
